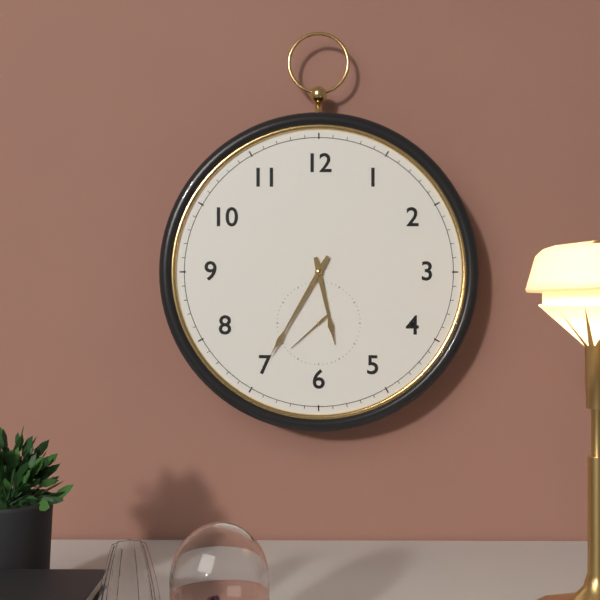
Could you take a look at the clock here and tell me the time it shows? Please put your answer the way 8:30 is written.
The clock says 5:35
